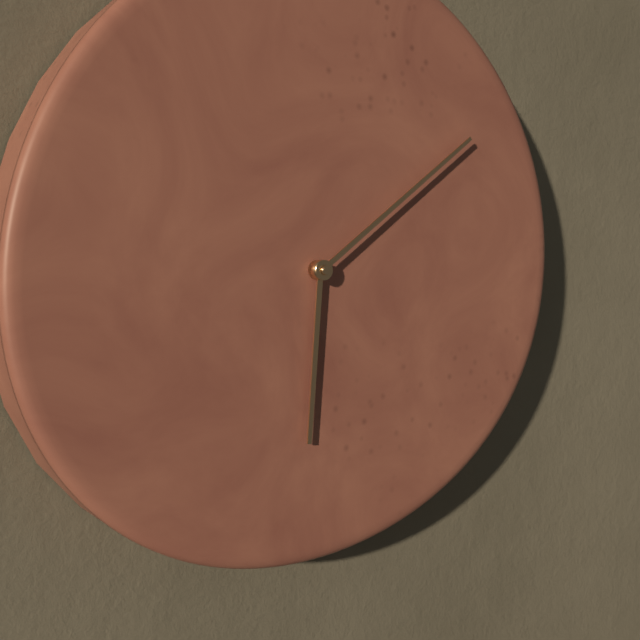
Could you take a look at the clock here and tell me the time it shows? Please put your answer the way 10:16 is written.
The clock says 6:09
